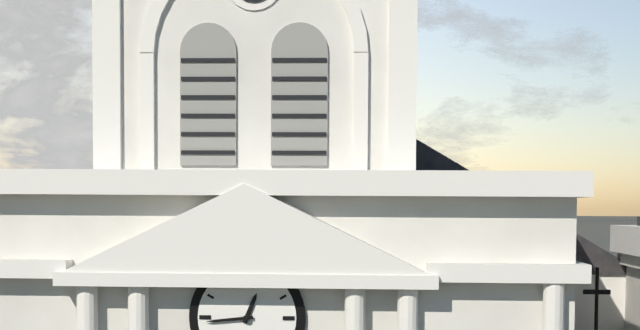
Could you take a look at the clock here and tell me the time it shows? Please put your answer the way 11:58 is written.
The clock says 12:44
